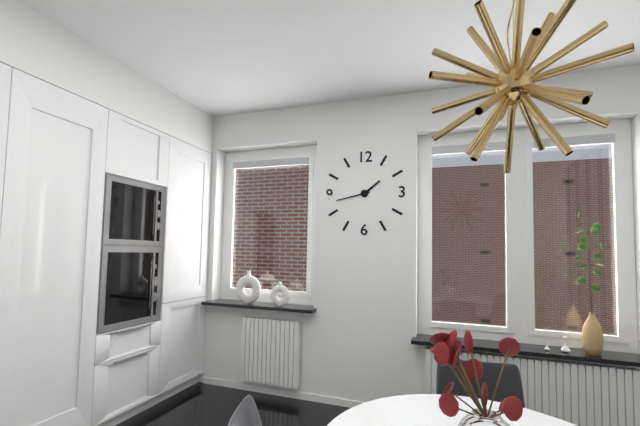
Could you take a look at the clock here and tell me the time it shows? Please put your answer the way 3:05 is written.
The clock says 1:43
